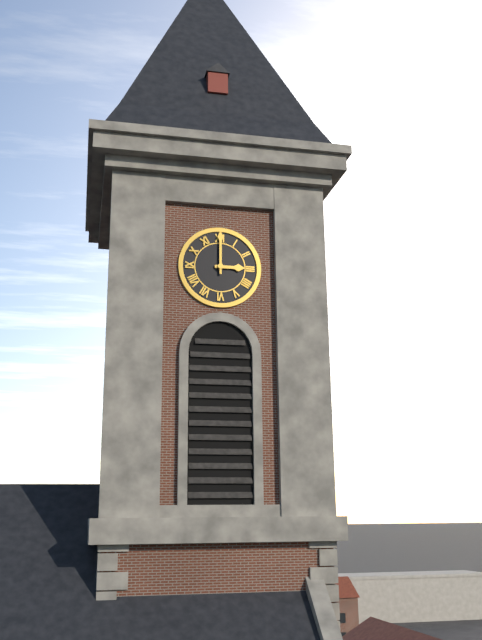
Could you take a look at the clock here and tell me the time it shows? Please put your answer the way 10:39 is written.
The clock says 3:00
